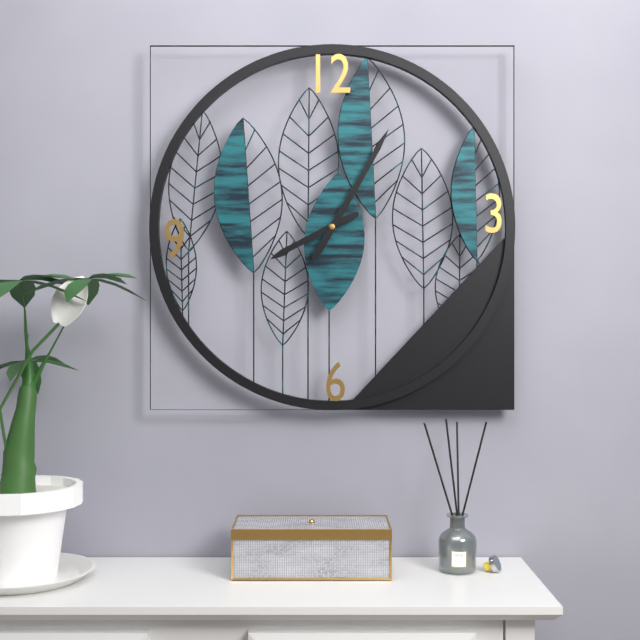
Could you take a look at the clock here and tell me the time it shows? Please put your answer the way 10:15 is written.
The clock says 8:05
